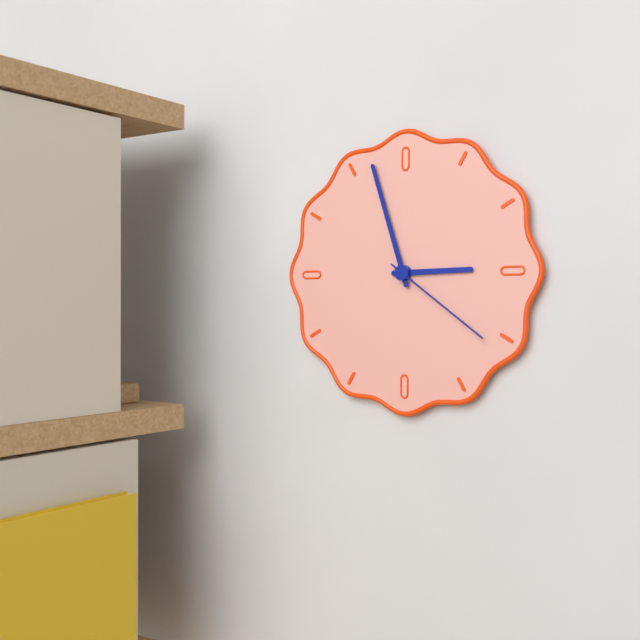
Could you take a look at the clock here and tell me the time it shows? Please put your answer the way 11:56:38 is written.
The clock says 2:57:21
